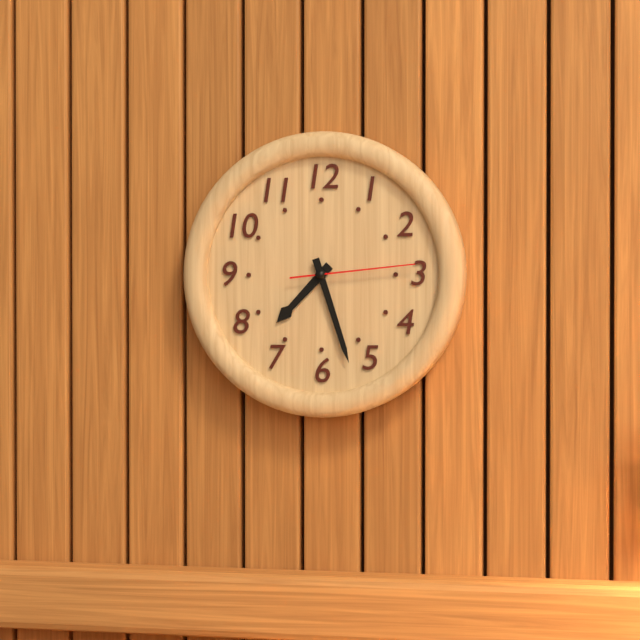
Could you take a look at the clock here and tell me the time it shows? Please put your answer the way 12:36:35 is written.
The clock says 7:27:14
